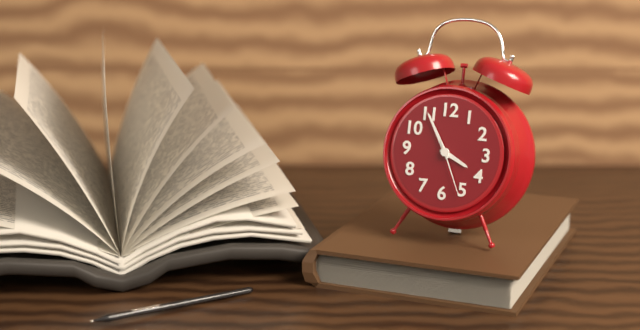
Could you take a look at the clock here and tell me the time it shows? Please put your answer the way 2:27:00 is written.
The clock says 3:55:26
